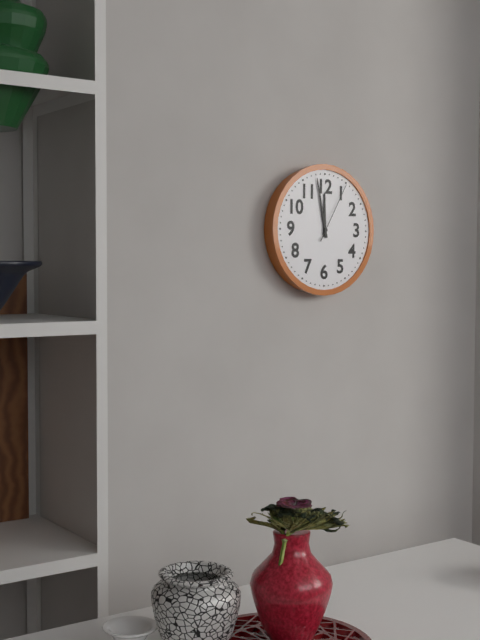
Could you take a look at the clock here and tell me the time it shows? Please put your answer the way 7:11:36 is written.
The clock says 11:58:05
